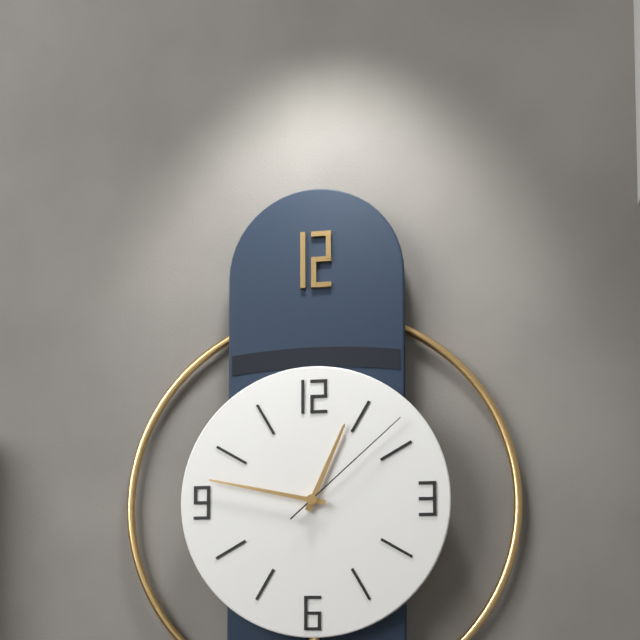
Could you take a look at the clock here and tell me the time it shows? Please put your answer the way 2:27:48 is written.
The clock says 12:47:08
